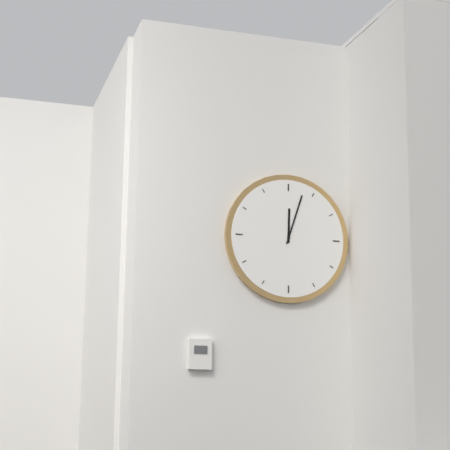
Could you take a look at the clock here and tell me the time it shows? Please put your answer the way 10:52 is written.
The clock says 12:03
